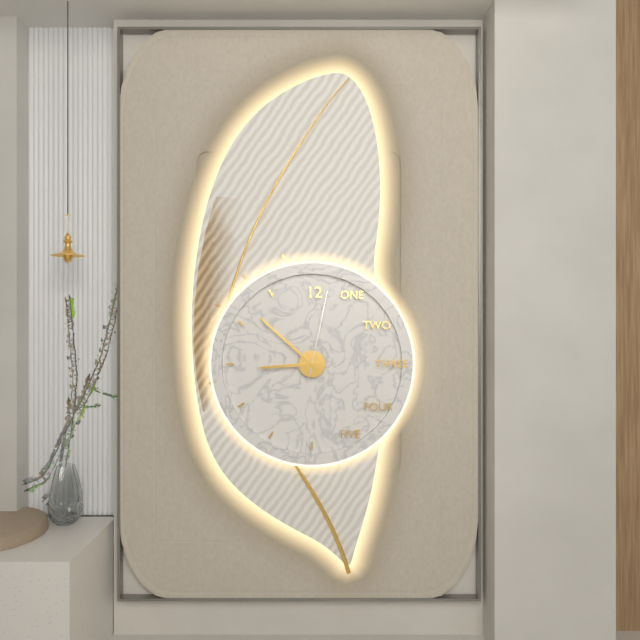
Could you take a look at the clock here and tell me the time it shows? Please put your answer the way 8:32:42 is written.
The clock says 8:52:02
